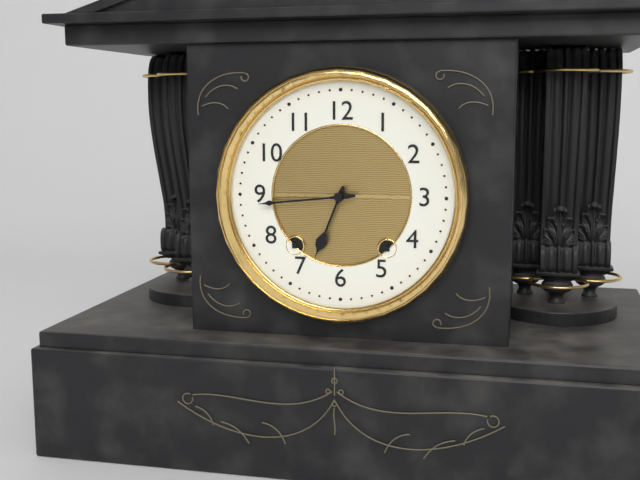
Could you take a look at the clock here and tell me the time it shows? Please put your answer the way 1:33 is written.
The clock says 6:44
